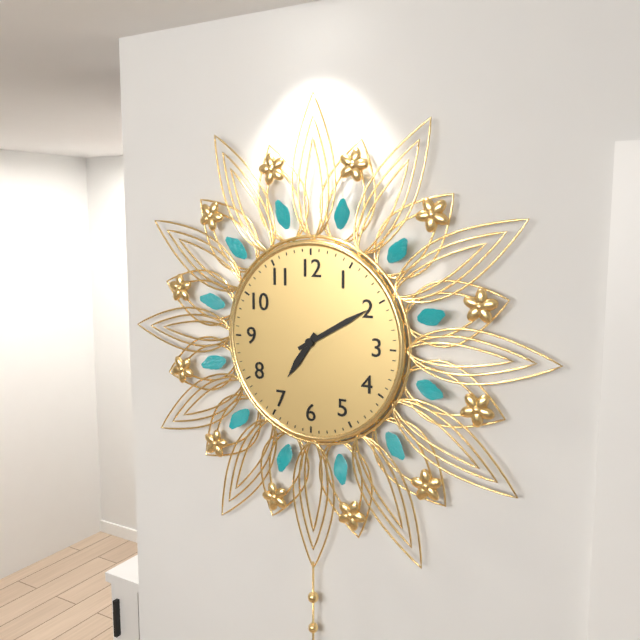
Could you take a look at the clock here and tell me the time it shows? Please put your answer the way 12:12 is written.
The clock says 7:10
